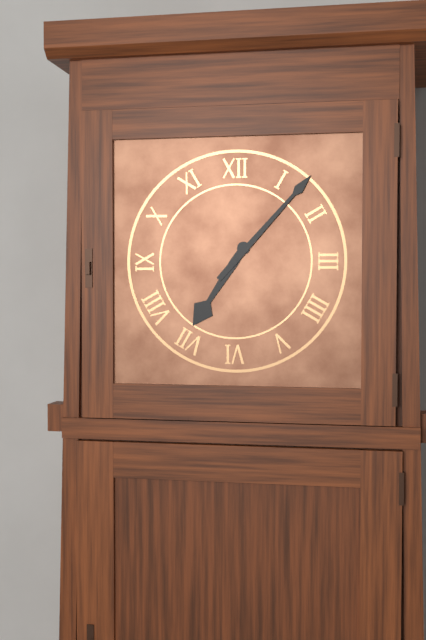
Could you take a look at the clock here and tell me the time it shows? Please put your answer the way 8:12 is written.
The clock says 7:07
